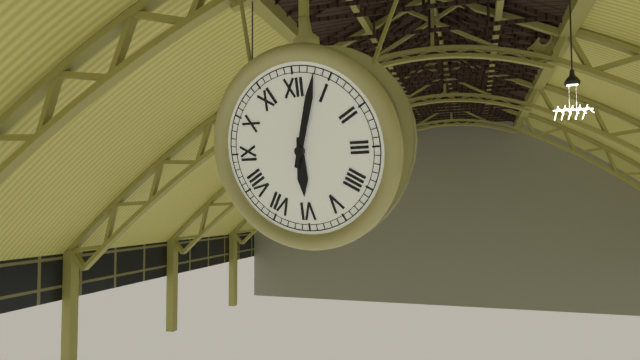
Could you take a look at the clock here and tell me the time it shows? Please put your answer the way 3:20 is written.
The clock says 6:03
